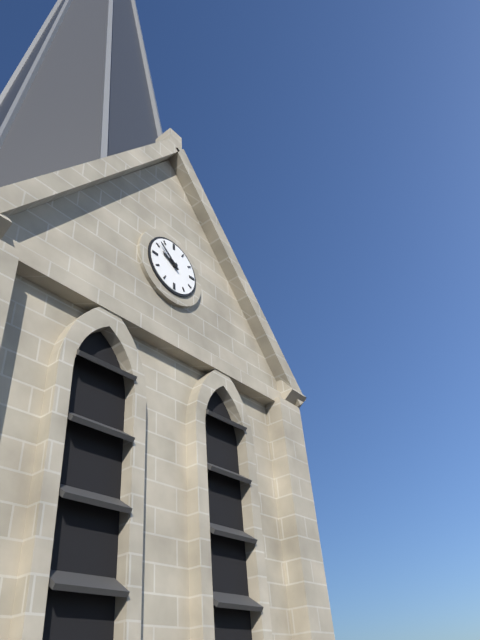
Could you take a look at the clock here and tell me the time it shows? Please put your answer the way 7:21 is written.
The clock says 9:52
